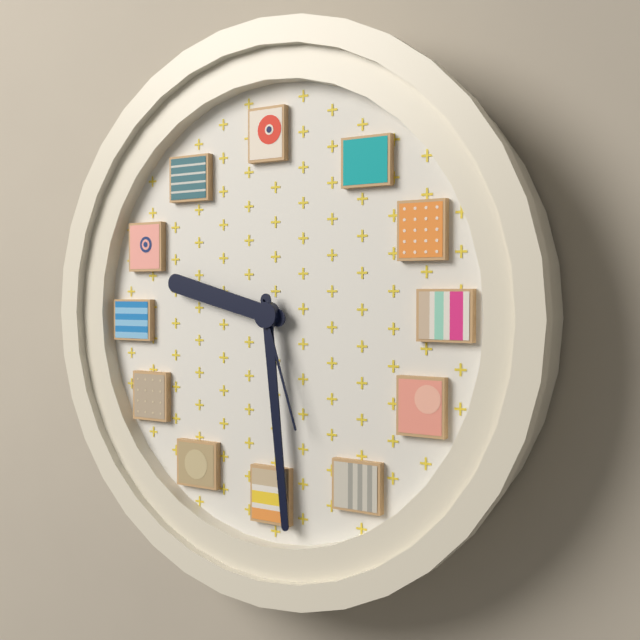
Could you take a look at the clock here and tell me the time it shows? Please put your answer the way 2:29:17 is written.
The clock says 9:29:27
